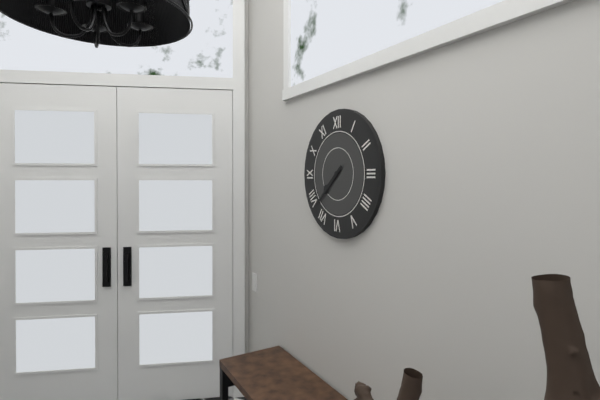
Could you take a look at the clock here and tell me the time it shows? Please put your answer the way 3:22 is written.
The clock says 7:38
